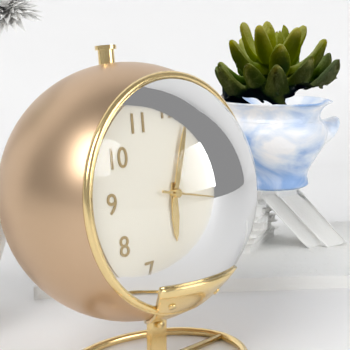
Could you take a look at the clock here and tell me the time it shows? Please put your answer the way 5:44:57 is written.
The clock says 6:03:17
